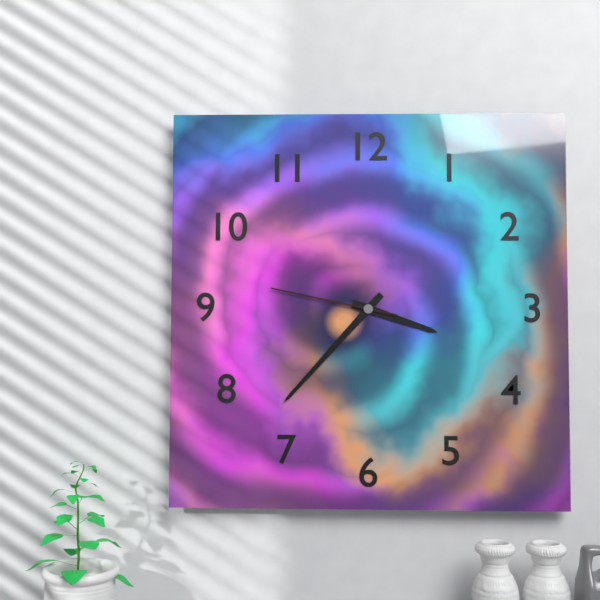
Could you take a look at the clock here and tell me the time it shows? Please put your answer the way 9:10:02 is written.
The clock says 3:37:47
